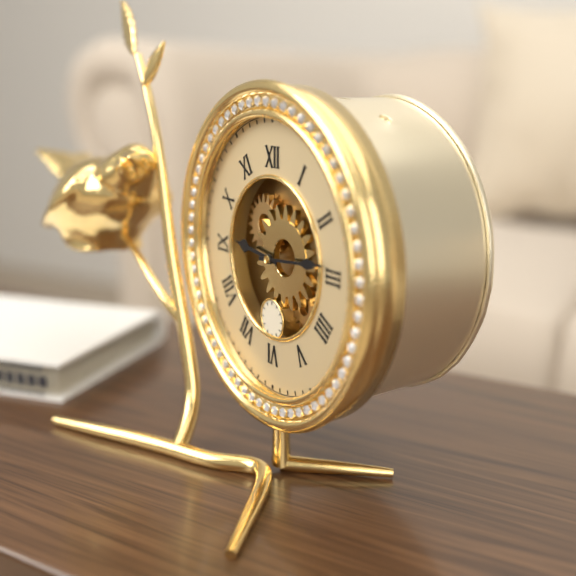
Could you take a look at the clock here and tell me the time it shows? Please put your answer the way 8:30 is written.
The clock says 9:14
